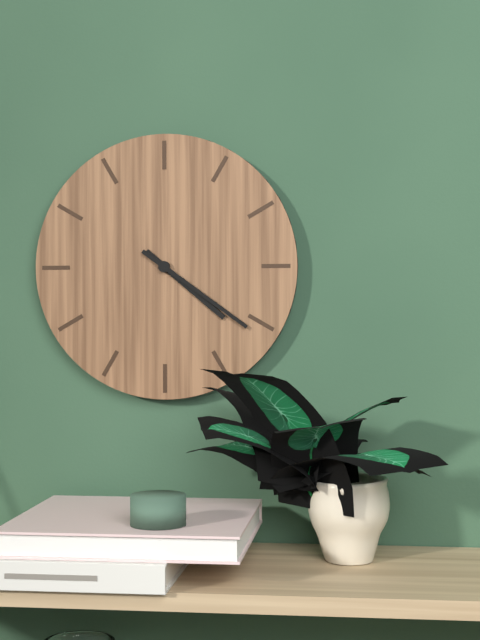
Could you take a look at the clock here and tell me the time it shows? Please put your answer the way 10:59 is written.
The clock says 4:21
